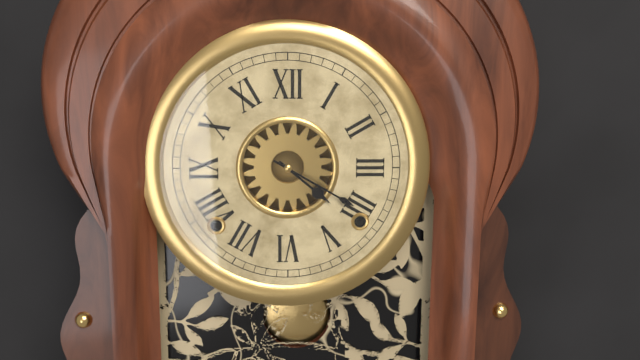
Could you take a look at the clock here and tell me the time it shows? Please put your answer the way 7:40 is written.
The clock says 4:20
